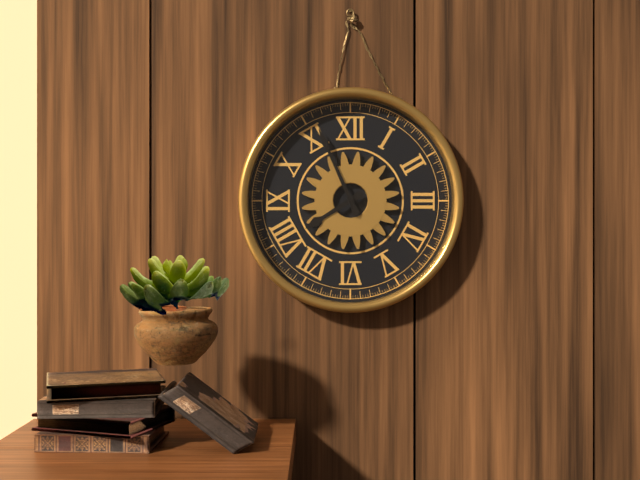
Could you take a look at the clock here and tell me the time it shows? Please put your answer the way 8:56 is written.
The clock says 7:56
